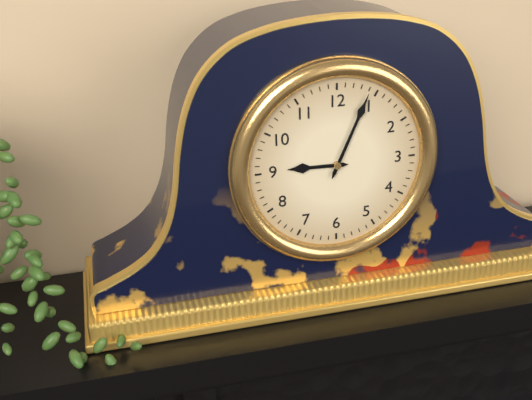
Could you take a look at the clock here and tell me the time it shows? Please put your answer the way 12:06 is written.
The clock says 9:04
